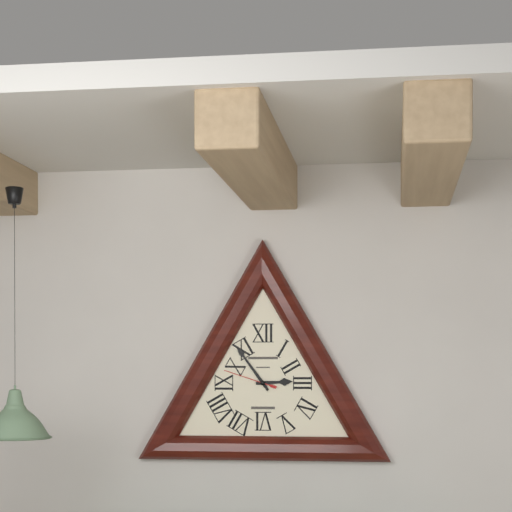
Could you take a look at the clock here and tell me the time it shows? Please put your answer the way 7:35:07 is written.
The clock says 2:54:48
